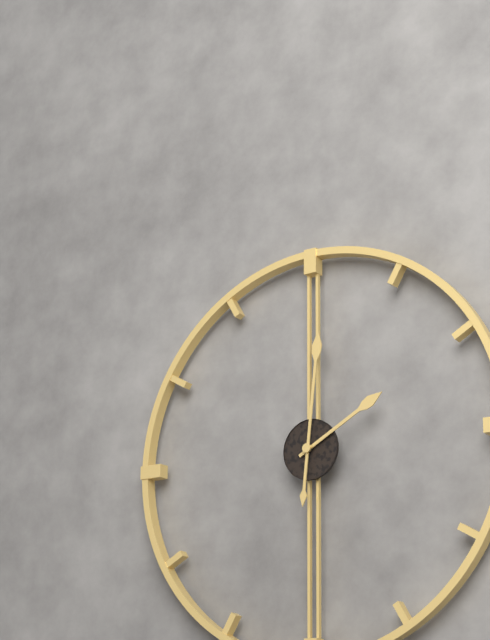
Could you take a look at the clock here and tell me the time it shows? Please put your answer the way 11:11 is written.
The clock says 2:01
